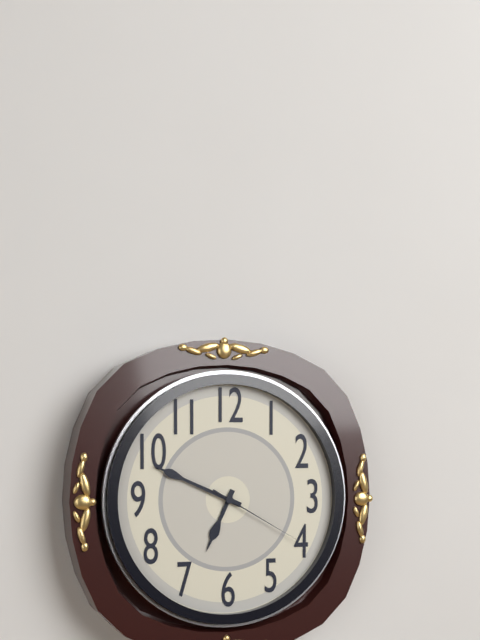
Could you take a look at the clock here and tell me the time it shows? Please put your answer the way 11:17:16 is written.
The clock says 6:49:20
